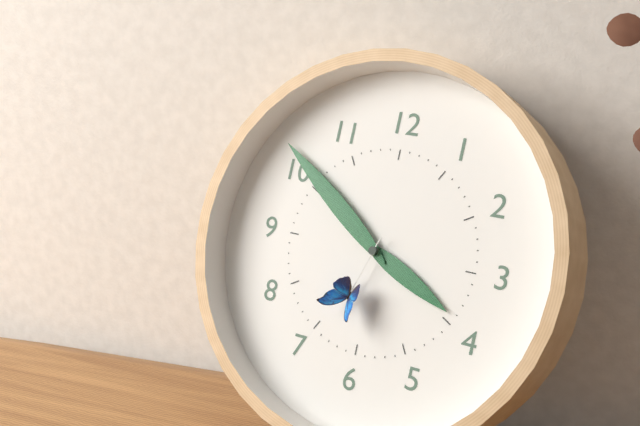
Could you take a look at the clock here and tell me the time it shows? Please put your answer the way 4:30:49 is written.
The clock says 3:51:33
